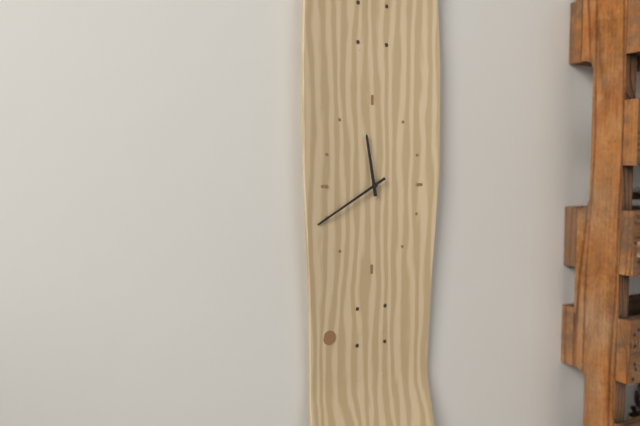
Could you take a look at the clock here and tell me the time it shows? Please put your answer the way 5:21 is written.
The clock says 11:40
